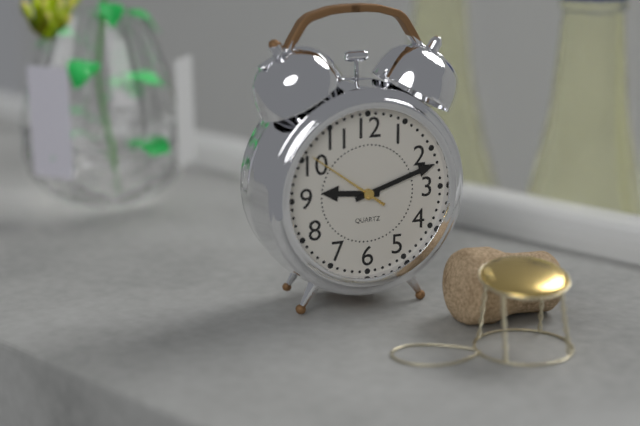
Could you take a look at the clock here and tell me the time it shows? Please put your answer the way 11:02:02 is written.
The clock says 9:12:51
